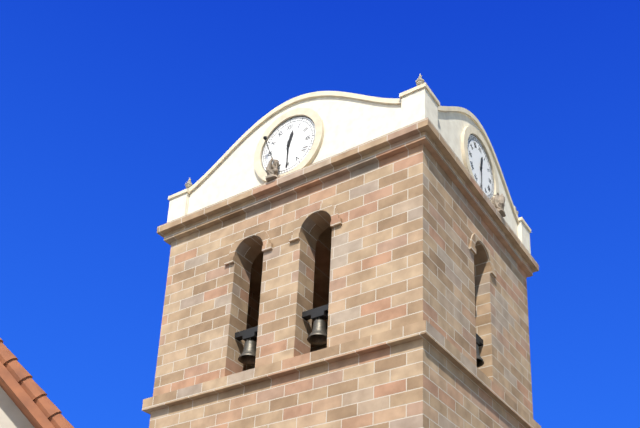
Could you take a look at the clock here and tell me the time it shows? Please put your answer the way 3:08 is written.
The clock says 12:30
